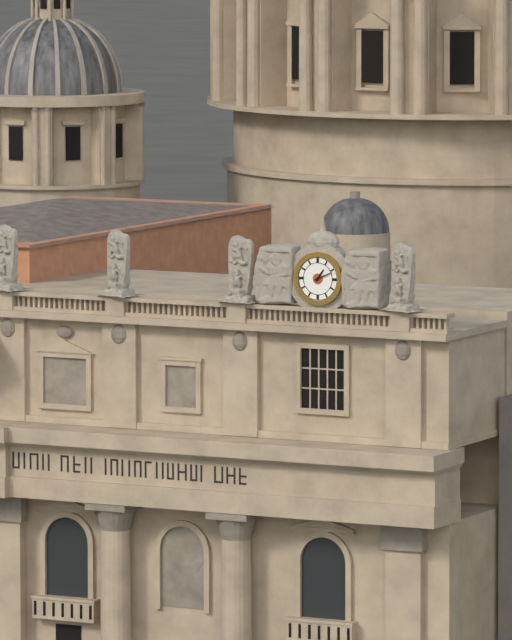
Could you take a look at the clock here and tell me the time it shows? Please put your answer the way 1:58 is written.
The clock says 1:11
